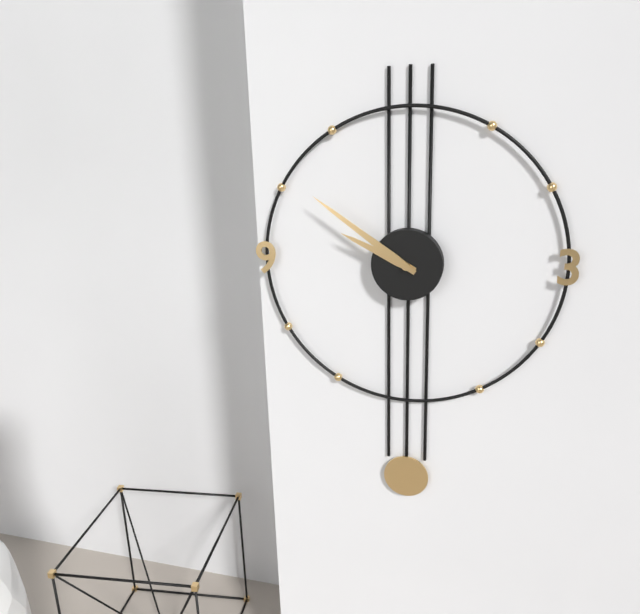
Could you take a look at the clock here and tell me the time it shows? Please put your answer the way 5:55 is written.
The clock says 9:51
